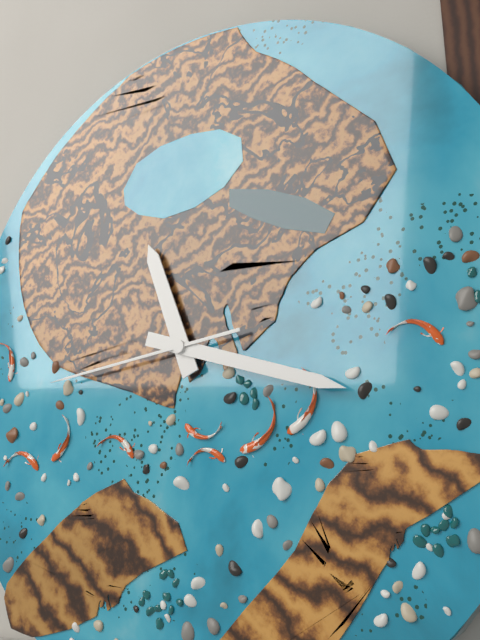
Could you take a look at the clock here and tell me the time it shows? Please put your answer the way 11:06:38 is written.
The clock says 11:18:44
